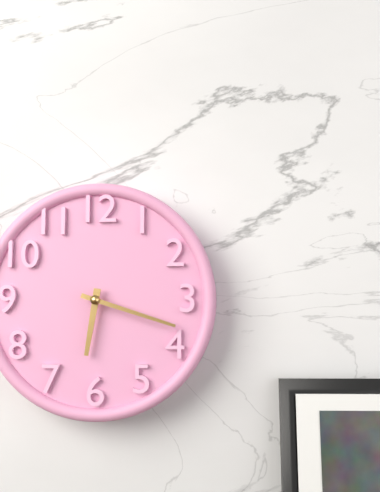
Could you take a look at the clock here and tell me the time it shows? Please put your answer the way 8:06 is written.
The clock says 6:18
